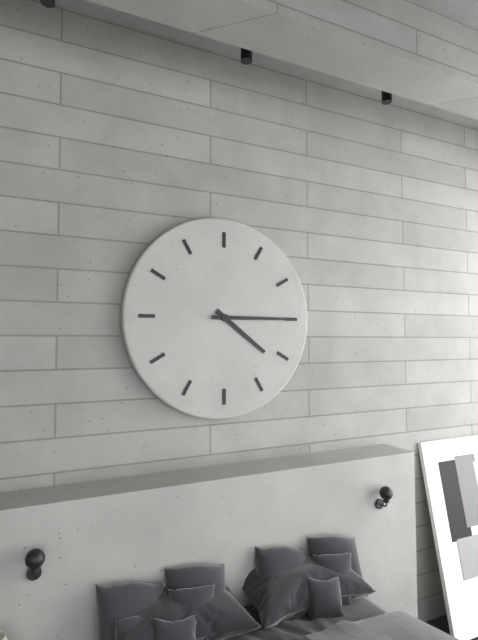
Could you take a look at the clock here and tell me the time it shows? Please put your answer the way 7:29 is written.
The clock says 4:15
